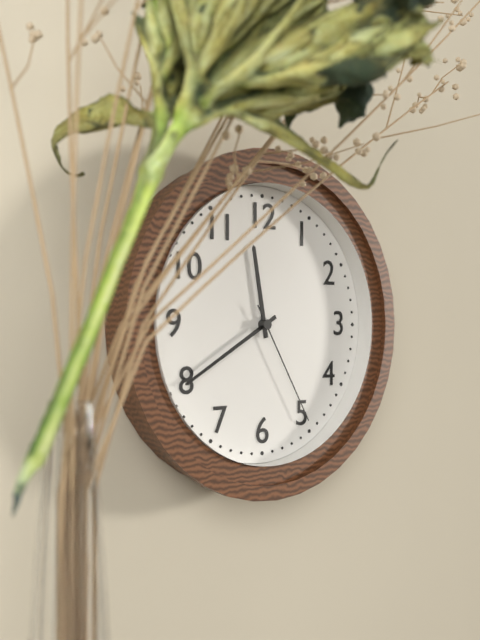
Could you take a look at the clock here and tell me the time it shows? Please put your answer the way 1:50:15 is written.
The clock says 11:40:25
